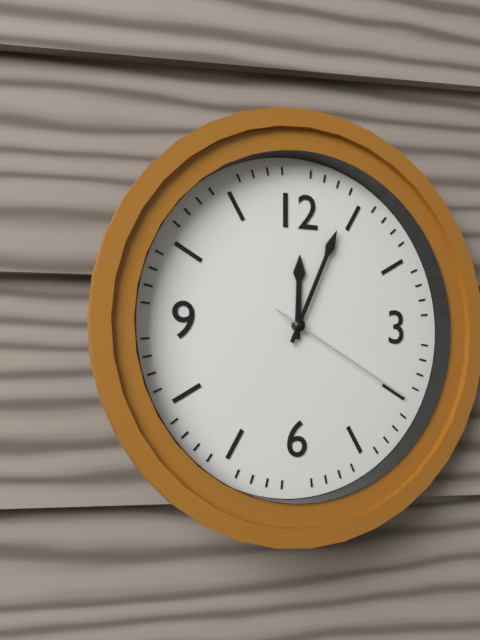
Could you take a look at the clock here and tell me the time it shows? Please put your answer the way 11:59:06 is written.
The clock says 12:04:20
